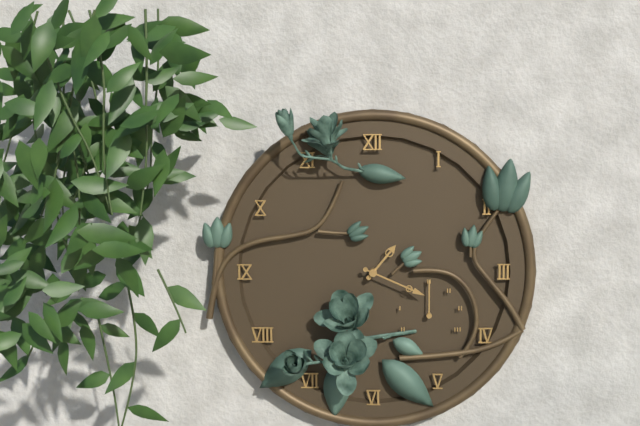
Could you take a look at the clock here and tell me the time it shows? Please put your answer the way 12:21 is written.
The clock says 1:19
